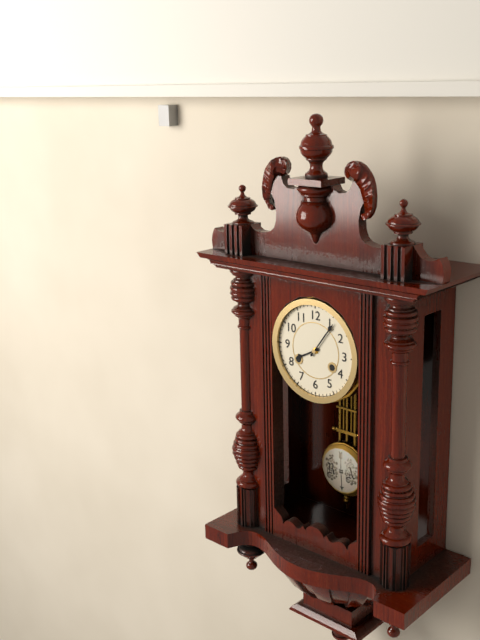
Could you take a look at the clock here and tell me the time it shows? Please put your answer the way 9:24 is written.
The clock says 8:06
